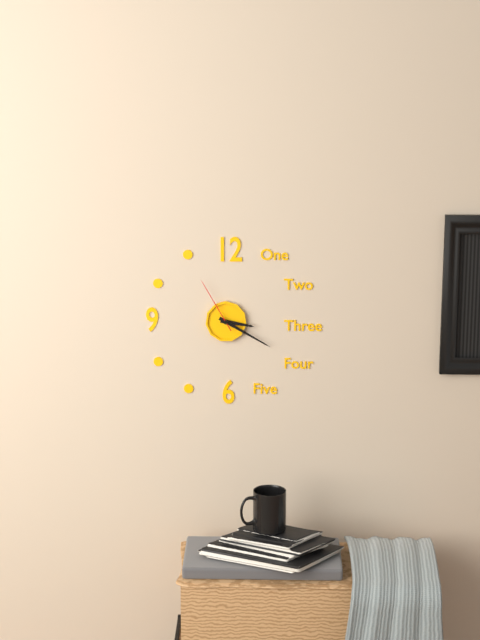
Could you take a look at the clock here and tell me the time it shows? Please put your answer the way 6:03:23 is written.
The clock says 3:20:55
